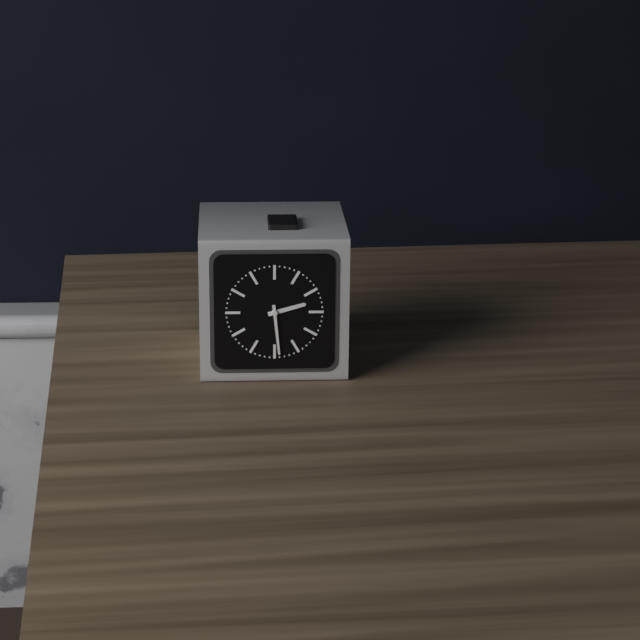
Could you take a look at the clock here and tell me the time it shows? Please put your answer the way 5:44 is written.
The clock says 2:29
